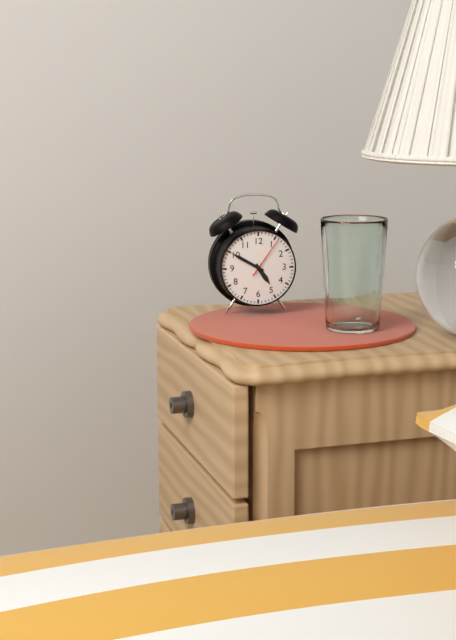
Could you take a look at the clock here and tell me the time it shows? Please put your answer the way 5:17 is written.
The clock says 4:50
